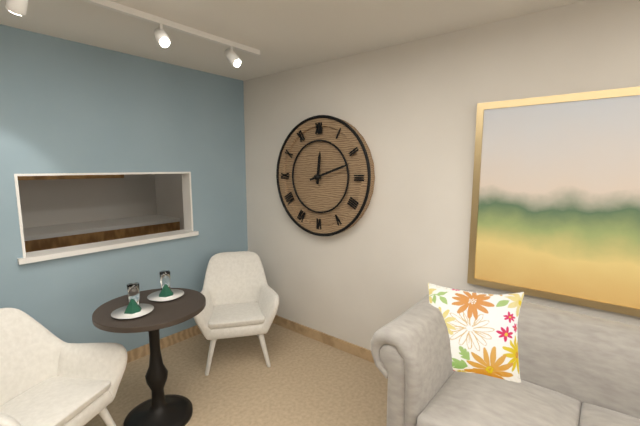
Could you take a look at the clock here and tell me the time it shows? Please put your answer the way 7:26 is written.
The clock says 12:12
